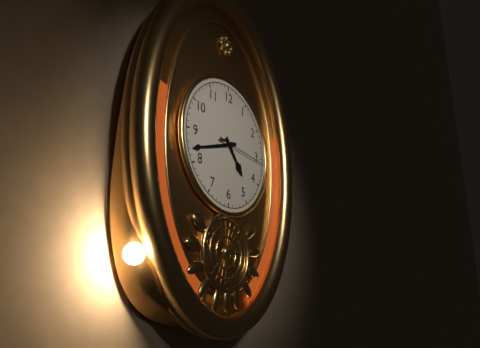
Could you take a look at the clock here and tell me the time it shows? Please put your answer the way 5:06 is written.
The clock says 4:42
